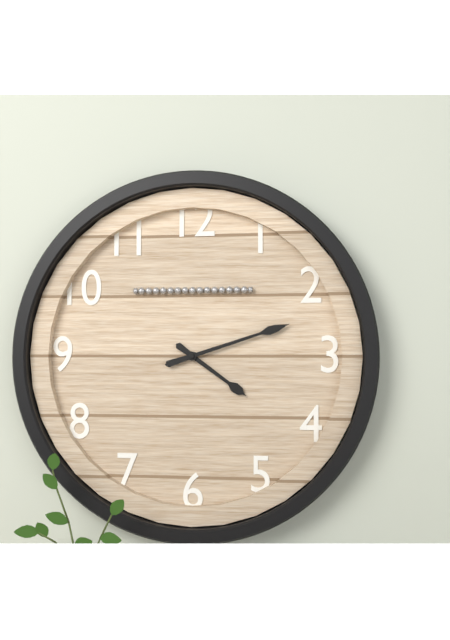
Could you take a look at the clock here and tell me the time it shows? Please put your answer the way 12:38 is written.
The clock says 4:12
